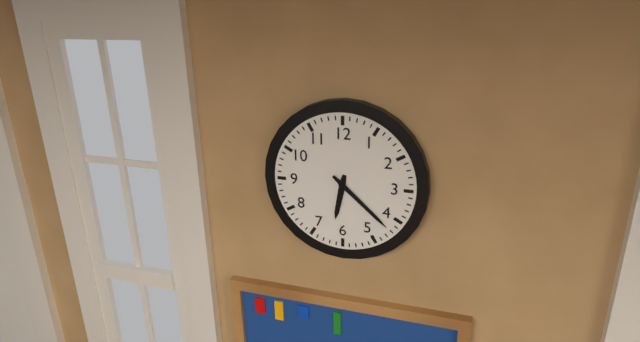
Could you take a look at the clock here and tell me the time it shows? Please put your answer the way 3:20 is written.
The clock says 6:22
